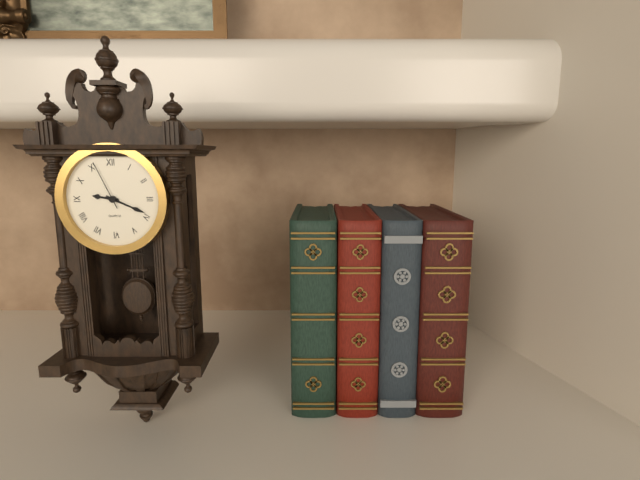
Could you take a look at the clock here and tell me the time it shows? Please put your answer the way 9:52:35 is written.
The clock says 9:19:56
